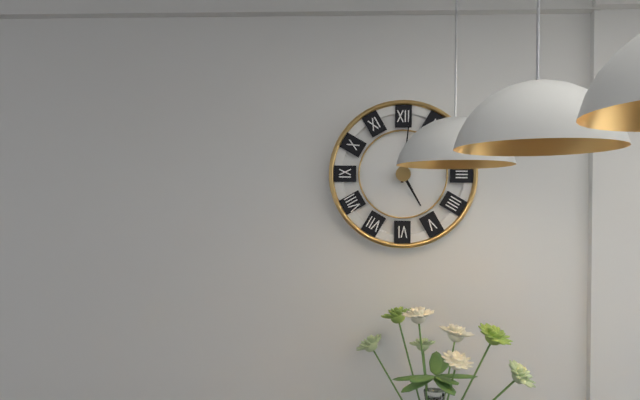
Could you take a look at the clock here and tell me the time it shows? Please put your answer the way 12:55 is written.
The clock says 5:01
